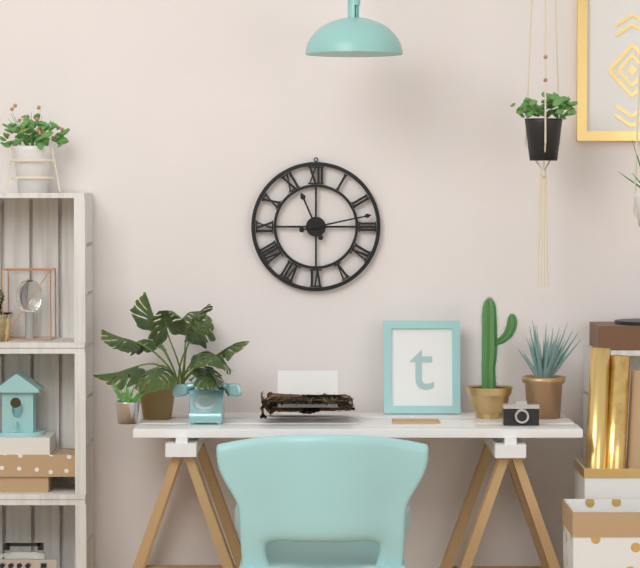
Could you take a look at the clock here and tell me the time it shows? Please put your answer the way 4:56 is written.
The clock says 11:13
